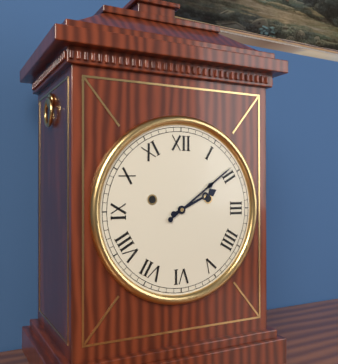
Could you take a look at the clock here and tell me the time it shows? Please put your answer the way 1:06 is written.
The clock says 2:09
